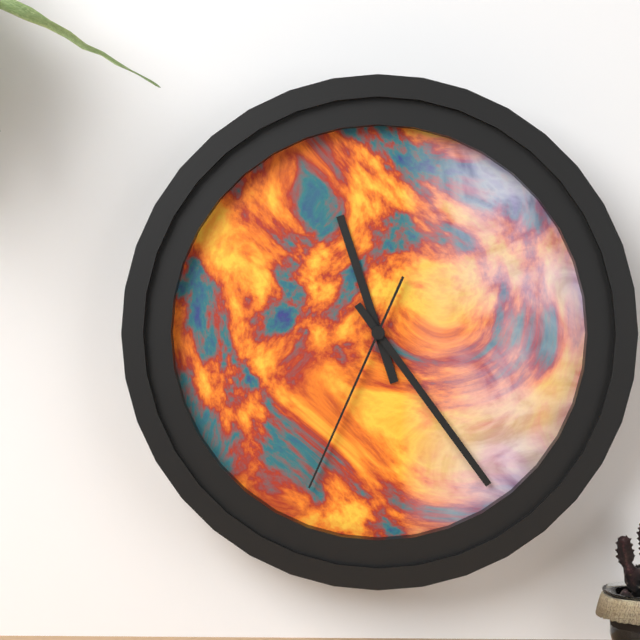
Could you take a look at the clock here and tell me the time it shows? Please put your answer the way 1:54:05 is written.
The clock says 11:24:34
